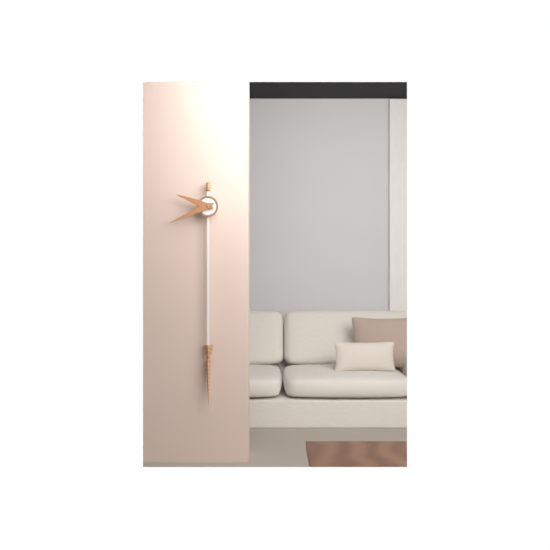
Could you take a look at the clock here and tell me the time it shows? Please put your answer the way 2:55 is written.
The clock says 9:41
